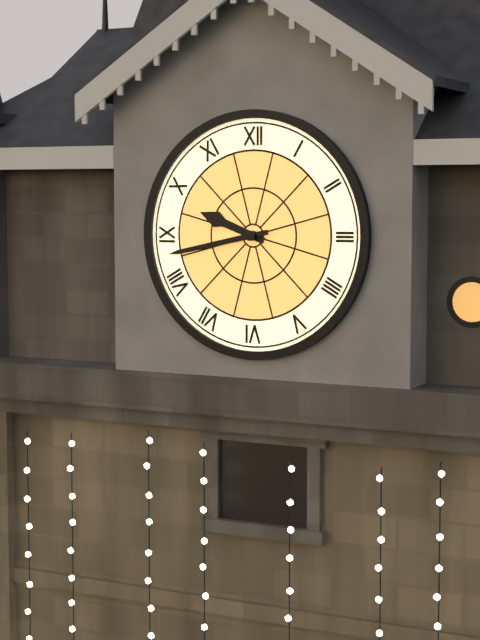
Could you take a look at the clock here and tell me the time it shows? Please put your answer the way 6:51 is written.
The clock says 9:43
